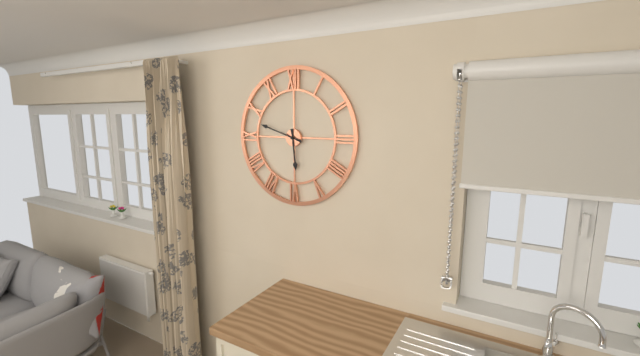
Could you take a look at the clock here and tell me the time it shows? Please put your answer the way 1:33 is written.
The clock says 5:48
